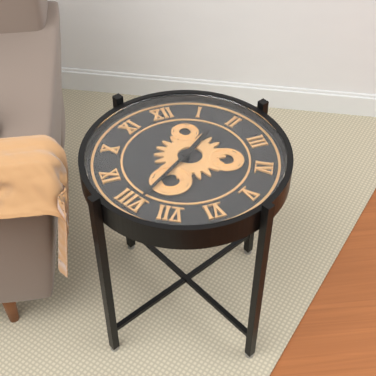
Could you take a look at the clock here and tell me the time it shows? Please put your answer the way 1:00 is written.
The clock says 1:39
